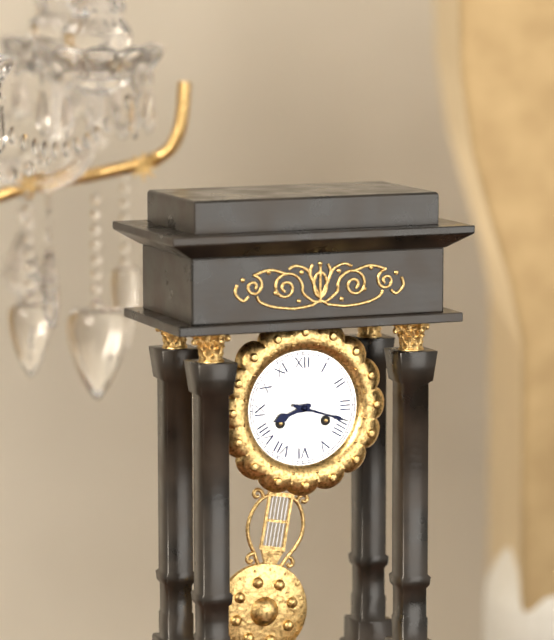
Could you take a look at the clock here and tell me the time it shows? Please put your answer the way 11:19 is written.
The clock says 8:18
